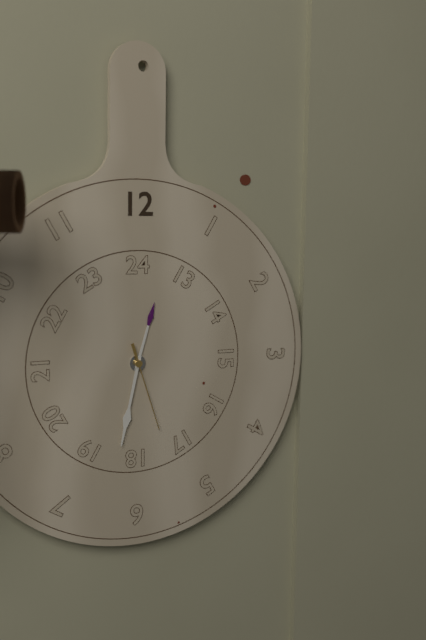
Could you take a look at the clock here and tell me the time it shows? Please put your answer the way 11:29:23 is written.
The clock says 12:32:27
